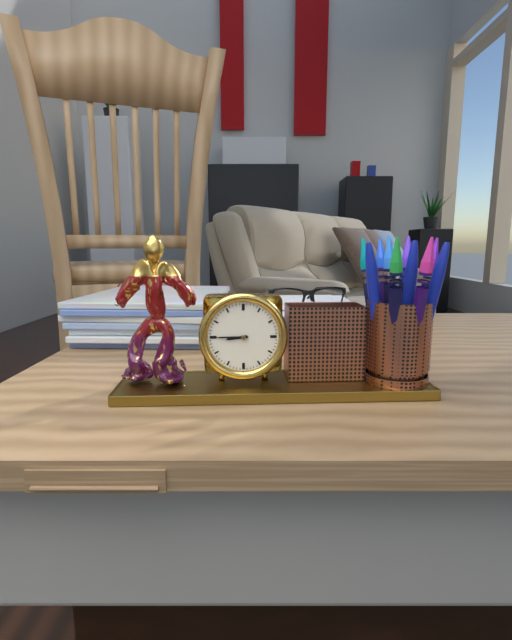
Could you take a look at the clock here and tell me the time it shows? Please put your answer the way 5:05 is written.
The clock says 8:45
